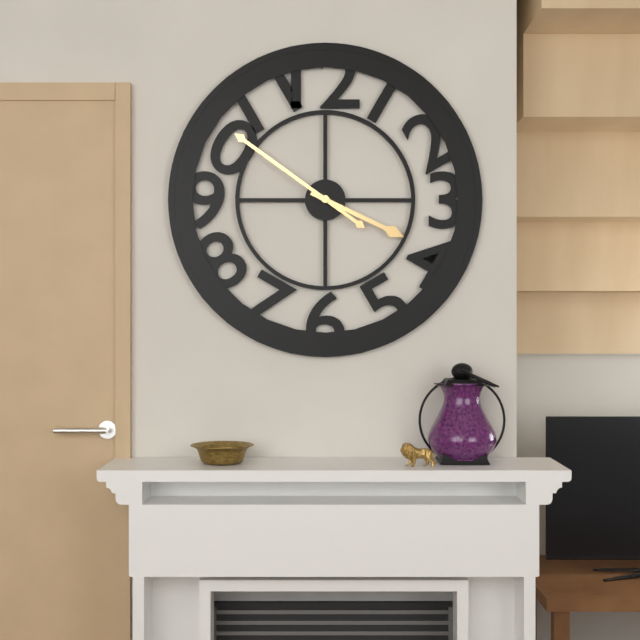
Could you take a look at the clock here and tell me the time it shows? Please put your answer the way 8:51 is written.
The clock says 3:51
